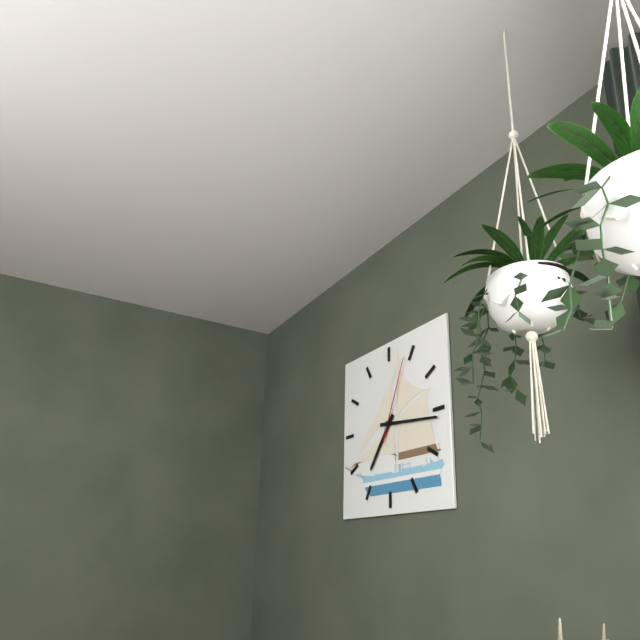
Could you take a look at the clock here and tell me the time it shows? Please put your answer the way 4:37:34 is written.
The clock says 7:16:04
